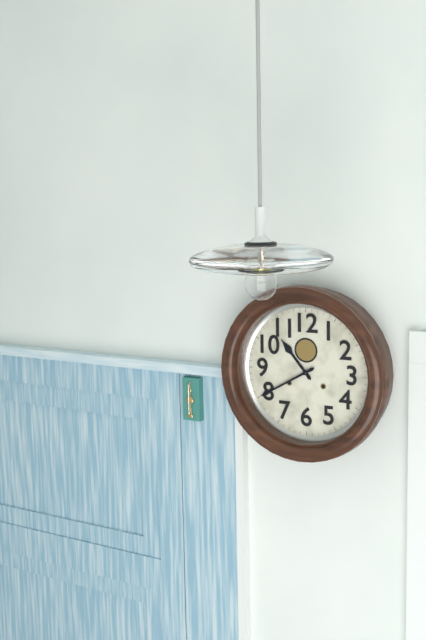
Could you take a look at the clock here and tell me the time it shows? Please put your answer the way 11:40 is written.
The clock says 10:40
